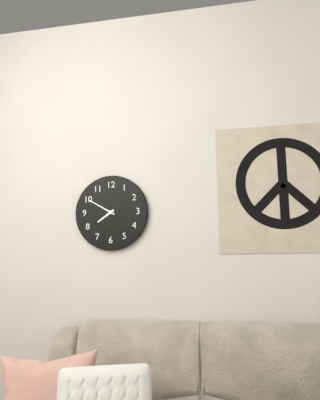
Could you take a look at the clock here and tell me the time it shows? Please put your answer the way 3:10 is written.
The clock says 7:50
